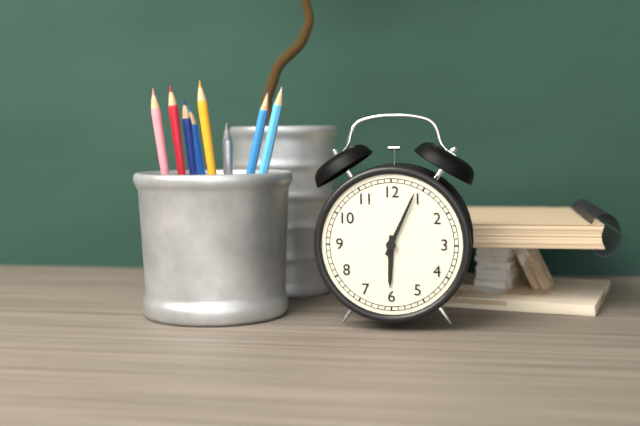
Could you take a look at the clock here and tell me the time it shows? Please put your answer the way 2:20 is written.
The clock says 6:04
